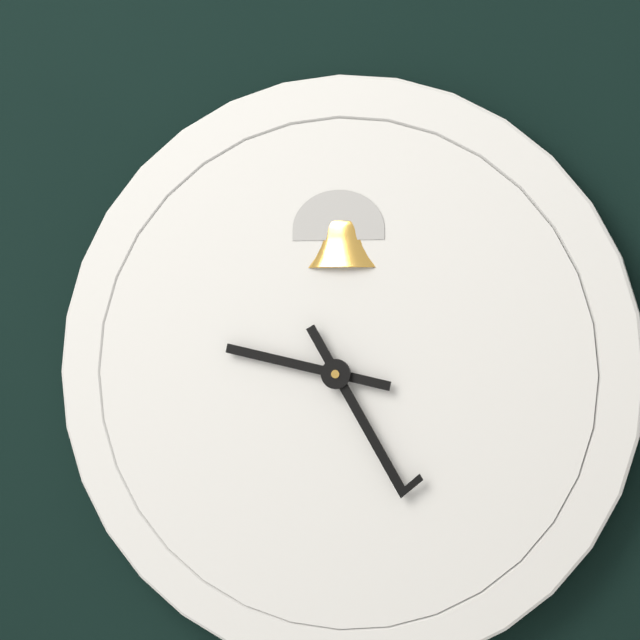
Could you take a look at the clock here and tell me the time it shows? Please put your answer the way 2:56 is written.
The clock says 9:25
